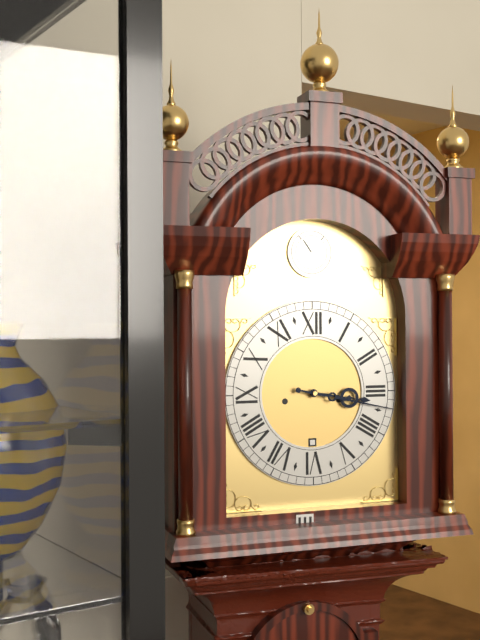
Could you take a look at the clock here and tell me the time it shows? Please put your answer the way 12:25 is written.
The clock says 3:17
